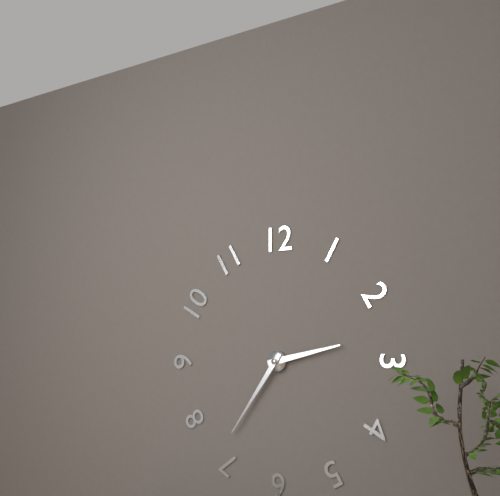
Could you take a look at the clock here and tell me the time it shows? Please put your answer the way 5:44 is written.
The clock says 2:36
